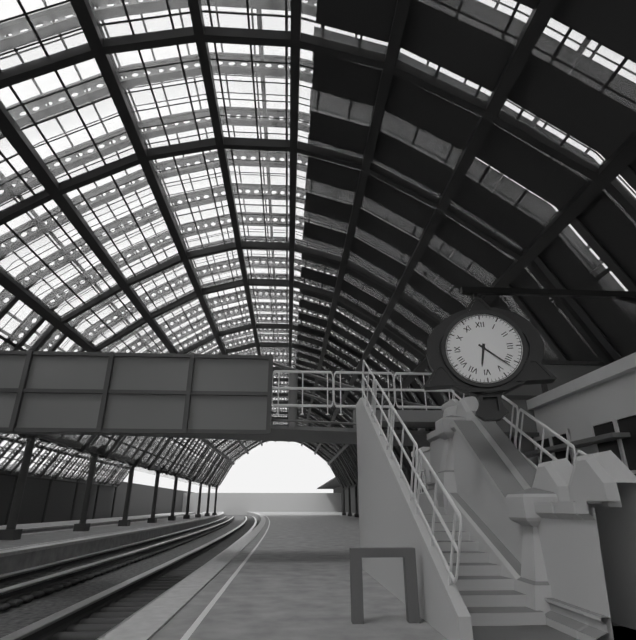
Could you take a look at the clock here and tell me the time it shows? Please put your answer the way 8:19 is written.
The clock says 6:22
